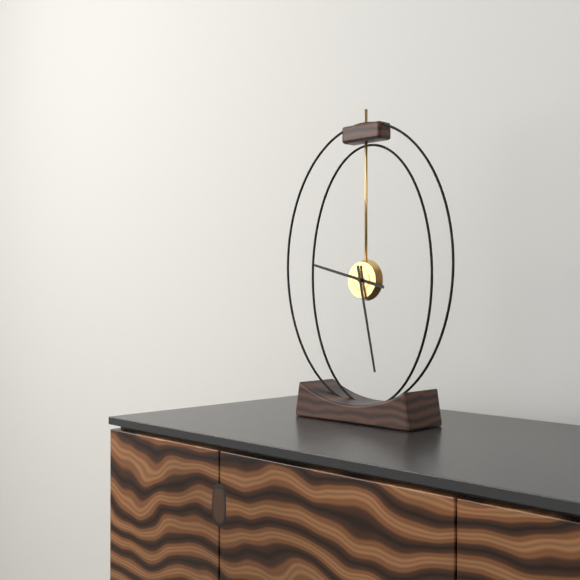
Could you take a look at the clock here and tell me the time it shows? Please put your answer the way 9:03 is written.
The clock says 9:28
